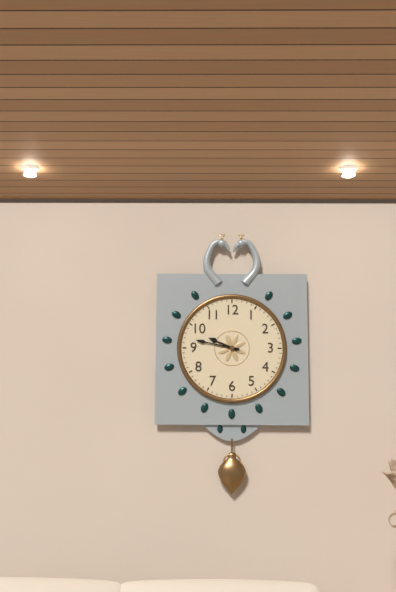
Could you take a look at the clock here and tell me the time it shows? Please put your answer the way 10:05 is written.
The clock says 9:47
